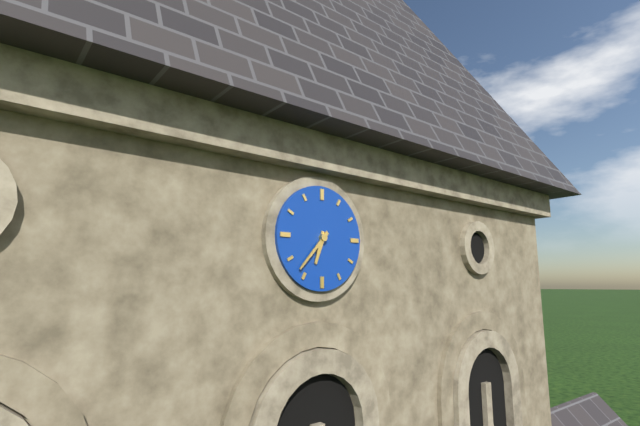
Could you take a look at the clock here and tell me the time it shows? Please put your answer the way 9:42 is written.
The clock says 6:37
